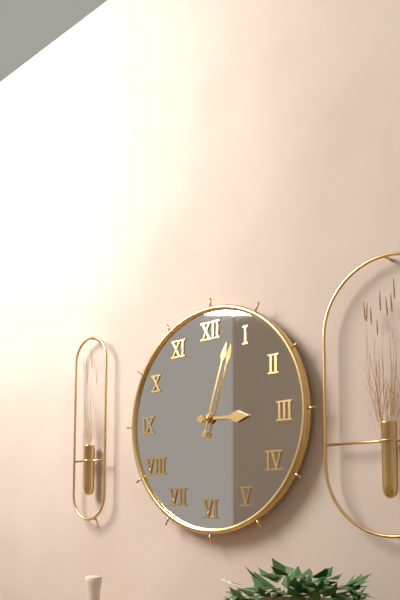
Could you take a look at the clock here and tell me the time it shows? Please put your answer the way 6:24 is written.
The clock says 3:03
